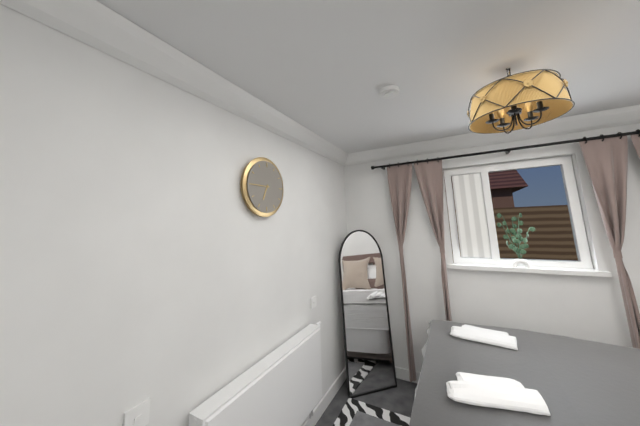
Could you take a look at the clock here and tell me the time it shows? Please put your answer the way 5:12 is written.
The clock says 6:45
